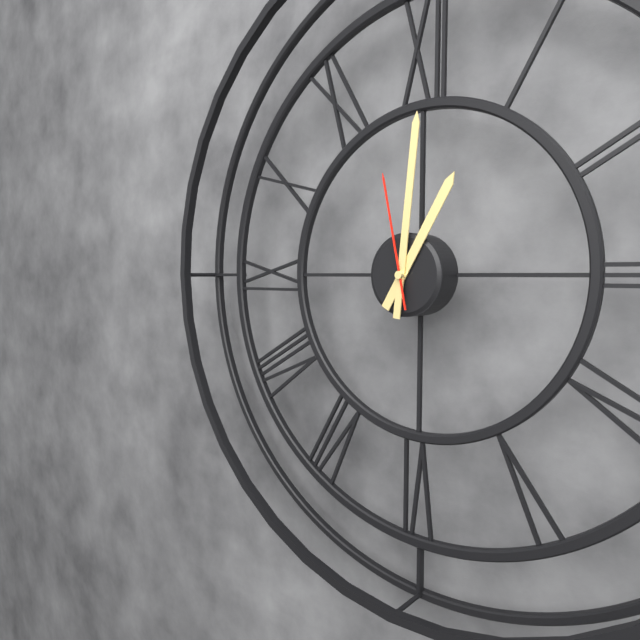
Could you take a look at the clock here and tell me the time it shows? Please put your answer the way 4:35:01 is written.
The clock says 1:01:58
